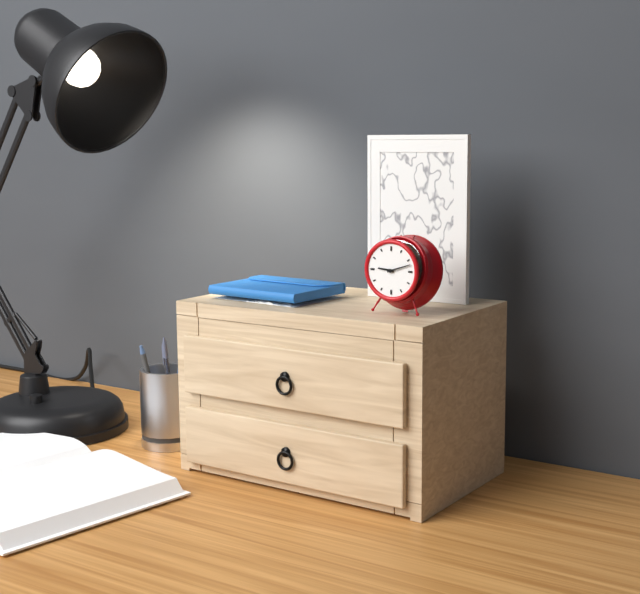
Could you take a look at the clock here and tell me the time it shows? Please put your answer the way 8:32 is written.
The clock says 9:12
